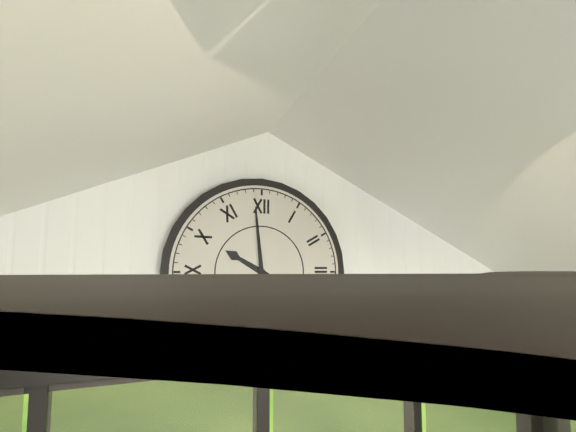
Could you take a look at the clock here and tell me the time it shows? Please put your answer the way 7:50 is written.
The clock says 9:59
